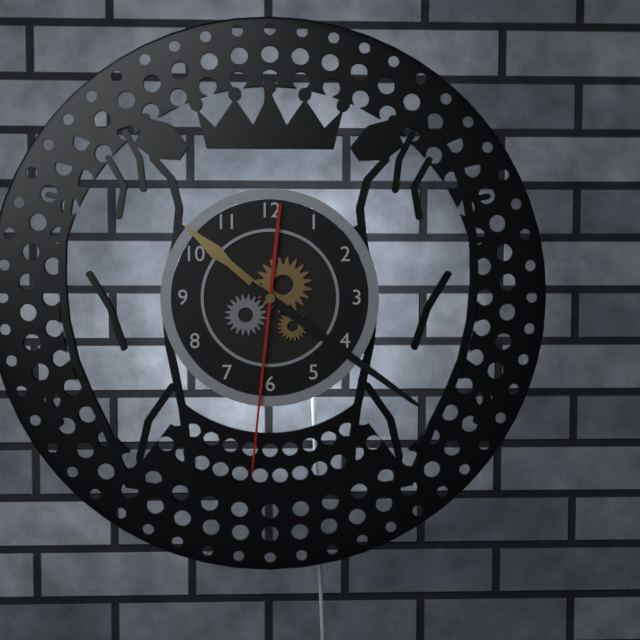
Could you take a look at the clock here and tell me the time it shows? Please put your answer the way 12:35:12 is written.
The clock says 10:21:31
